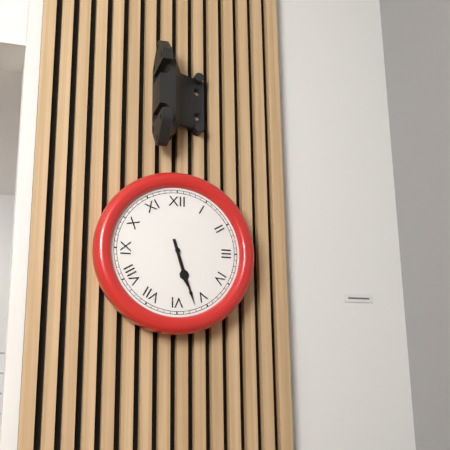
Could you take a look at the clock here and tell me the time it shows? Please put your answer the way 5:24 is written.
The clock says 5:27
